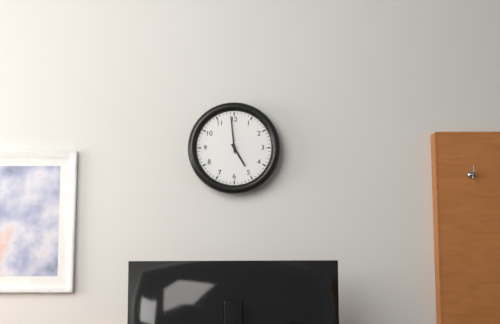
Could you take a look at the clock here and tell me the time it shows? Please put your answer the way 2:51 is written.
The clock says 4:59
